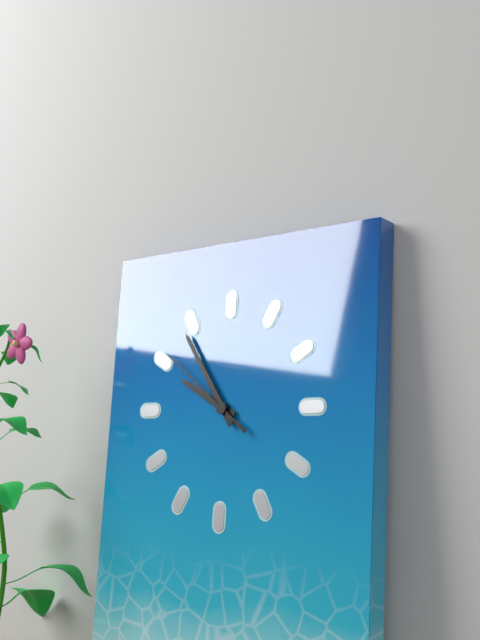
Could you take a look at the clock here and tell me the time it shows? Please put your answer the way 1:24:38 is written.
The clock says 9:54:51
